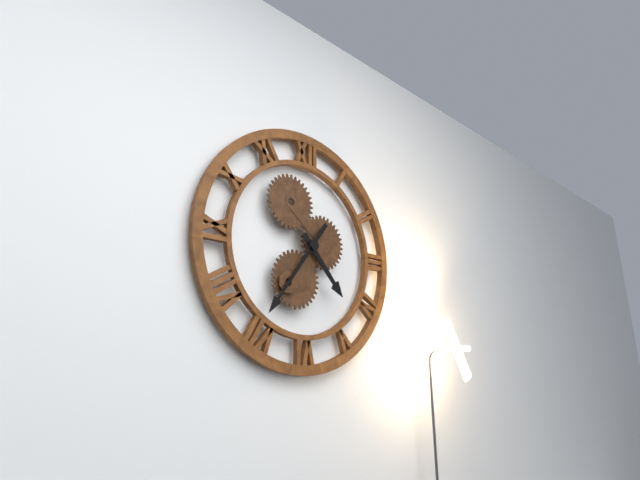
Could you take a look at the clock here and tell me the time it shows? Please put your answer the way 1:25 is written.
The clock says 4:36
